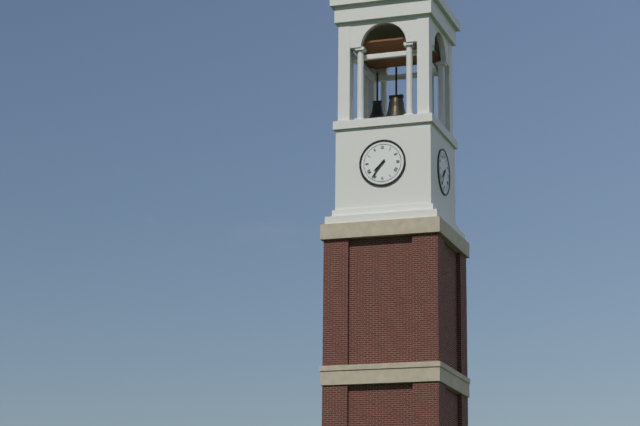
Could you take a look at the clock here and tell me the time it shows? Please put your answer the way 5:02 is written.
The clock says 7:36
